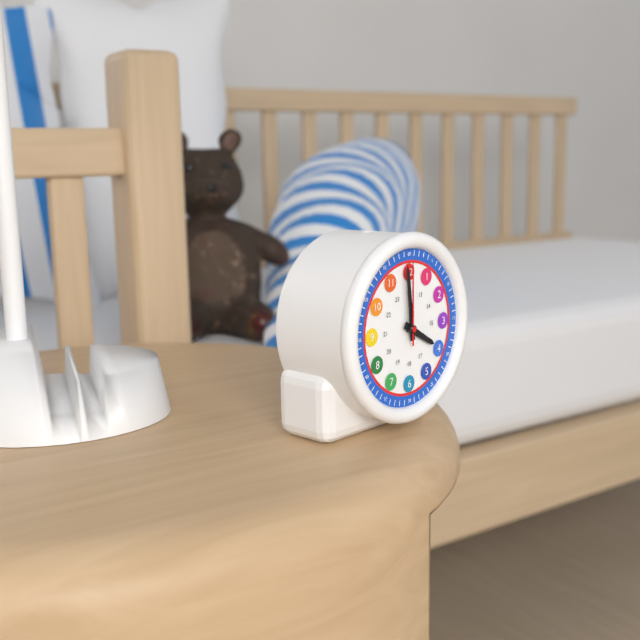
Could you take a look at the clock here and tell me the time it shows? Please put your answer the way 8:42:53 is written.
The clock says 3:59:00
